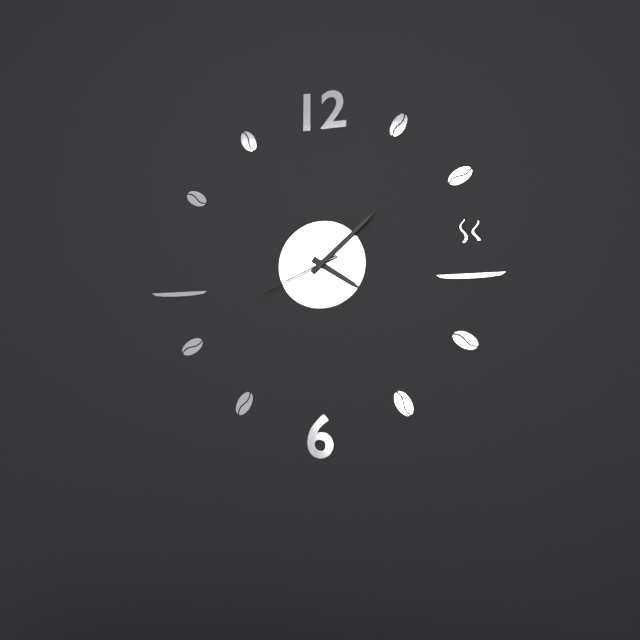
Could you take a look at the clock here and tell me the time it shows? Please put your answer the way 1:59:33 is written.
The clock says 4:08:41
